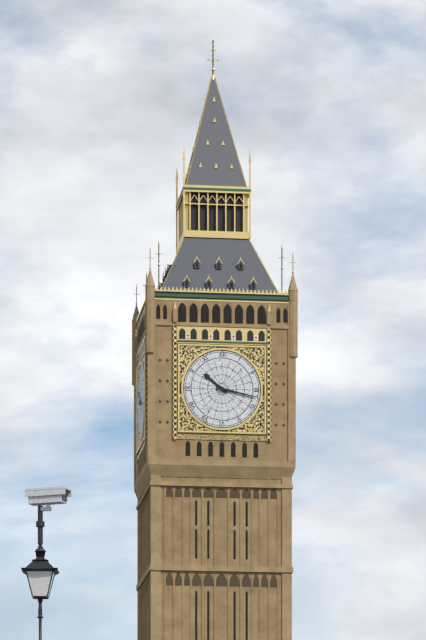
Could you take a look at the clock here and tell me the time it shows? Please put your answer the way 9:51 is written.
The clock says 10:17
